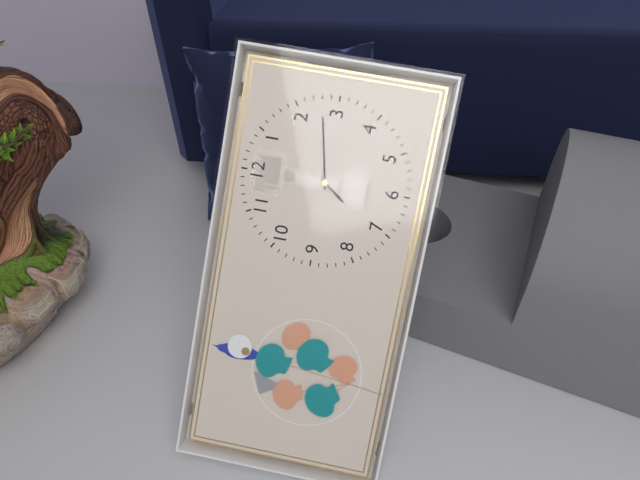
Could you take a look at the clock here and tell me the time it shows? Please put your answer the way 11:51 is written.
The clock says 7:13
